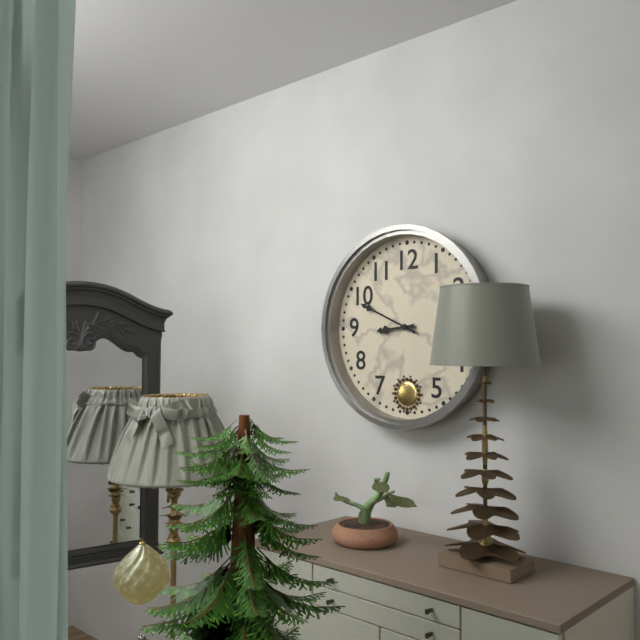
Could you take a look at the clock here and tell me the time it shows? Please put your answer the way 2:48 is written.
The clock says 8:49
